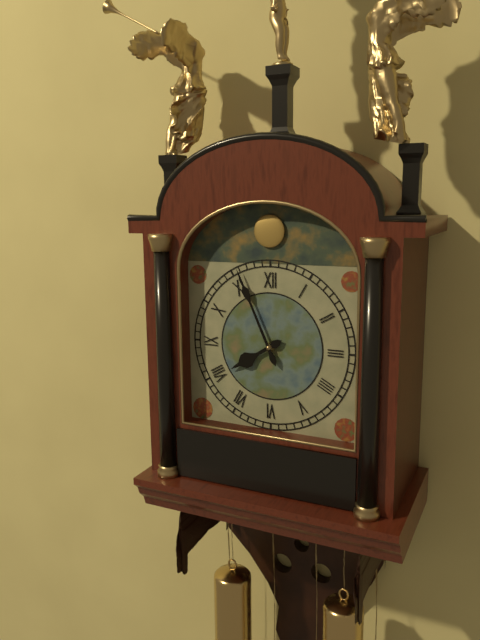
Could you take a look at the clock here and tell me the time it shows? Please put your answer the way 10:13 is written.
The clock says 7:56
